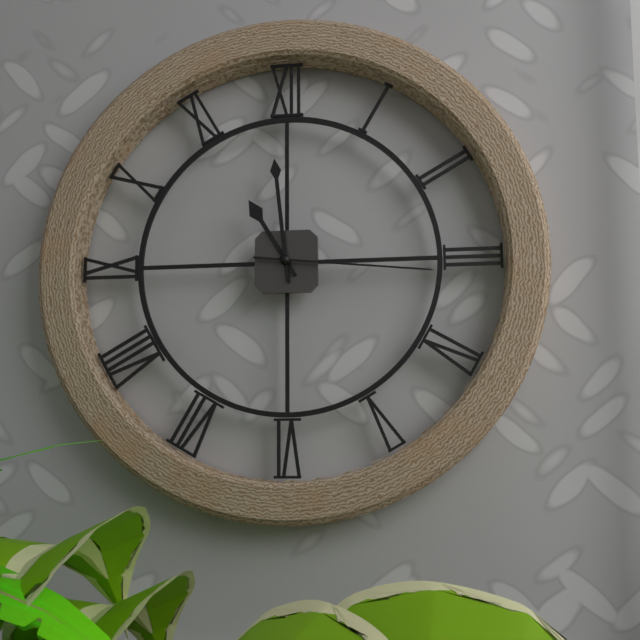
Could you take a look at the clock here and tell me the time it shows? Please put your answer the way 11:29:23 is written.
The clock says 10:59:16
